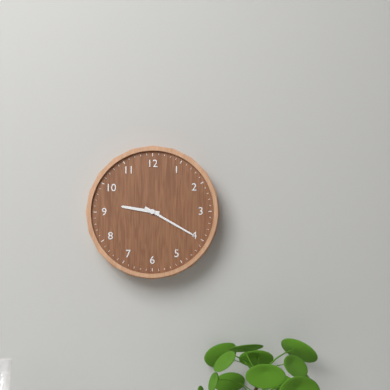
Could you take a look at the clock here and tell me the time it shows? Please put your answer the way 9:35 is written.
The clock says 9:20
